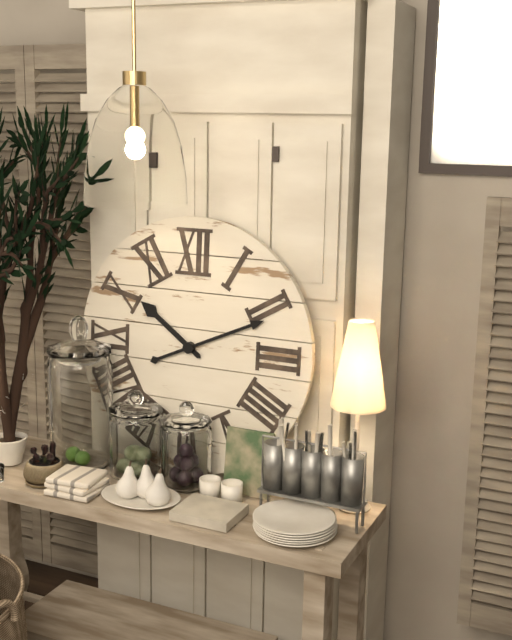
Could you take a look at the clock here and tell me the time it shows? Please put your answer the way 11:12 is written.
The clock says 10:11
